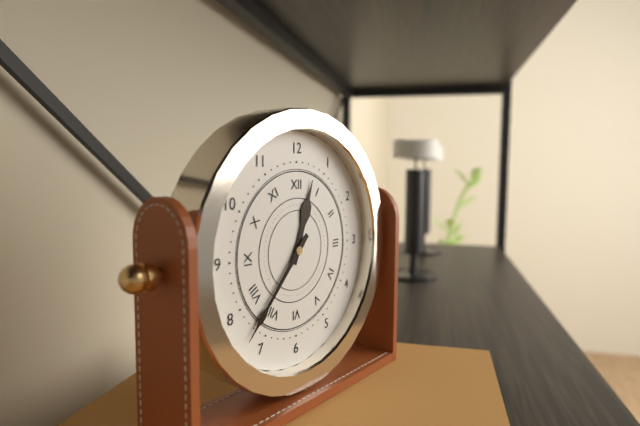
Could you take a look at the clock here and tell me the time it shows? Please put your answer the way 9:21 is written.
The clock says 12:37
